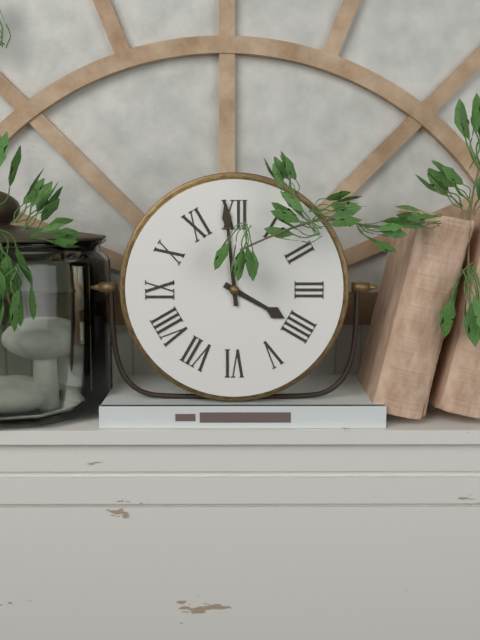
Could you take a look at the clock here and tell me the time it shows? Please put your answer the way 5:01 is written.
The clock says 3:59
